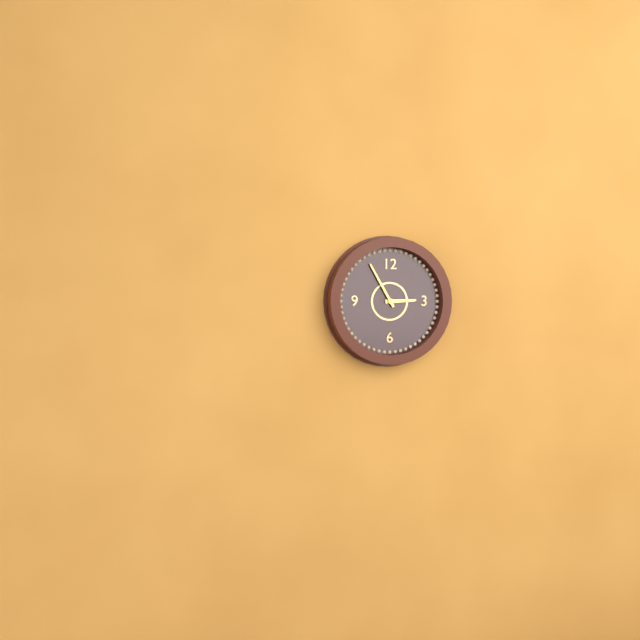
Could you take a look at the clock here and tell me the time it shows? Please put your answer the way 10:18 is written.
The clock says 2:55
